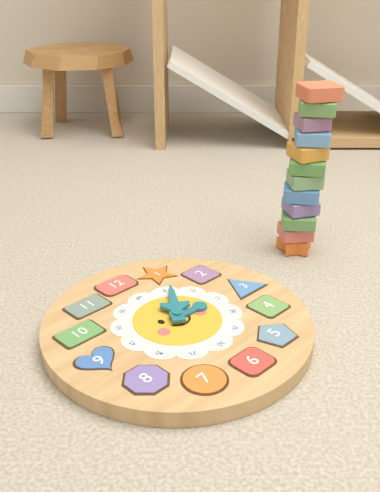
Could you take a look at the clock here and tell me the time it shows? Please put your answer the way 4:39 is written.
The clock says 3:06
